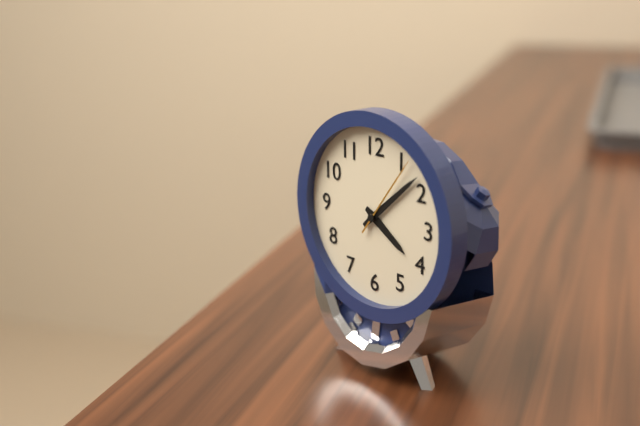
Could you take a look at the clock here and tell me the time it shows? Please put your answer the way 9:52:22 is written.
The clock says 4:08:06
